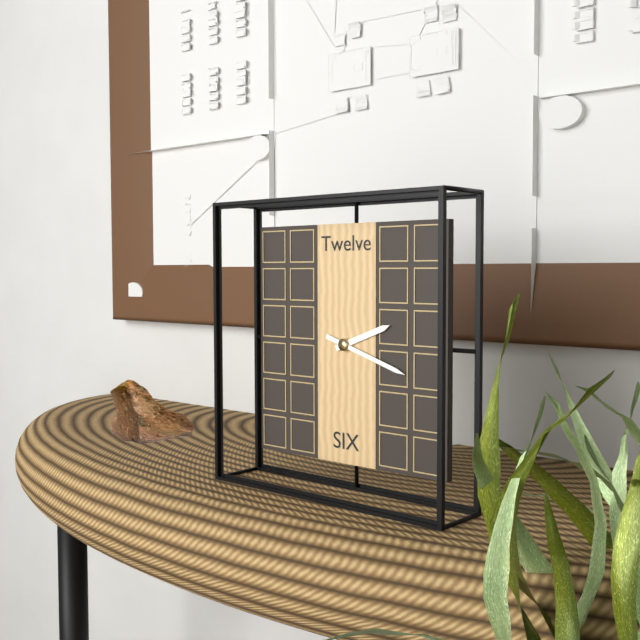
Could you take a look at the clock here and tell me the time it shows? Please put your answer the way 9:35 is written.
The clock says 2:18
